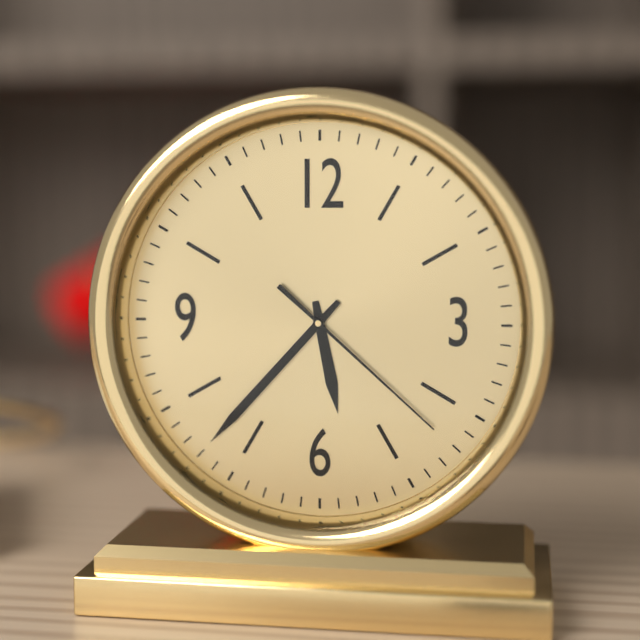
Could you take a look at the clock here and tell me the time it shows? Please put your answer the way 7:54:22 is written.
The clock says 5:37:22
